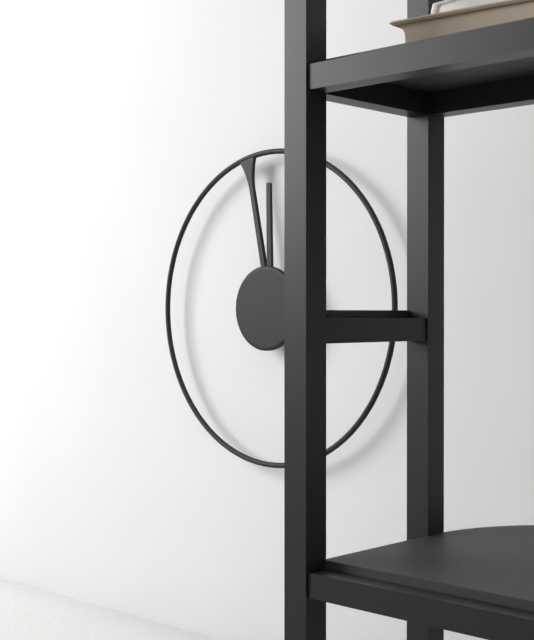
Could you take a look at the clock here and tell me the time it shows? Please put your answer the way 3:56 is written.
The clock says 11:58
